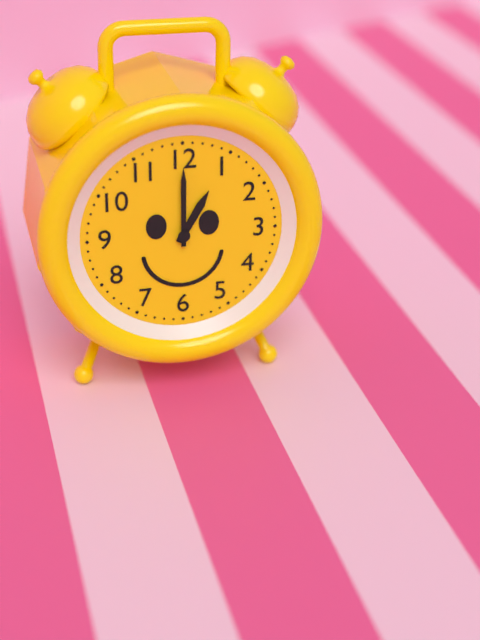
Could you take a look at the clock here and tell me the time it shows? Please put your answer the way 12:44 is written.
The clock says 1:00
